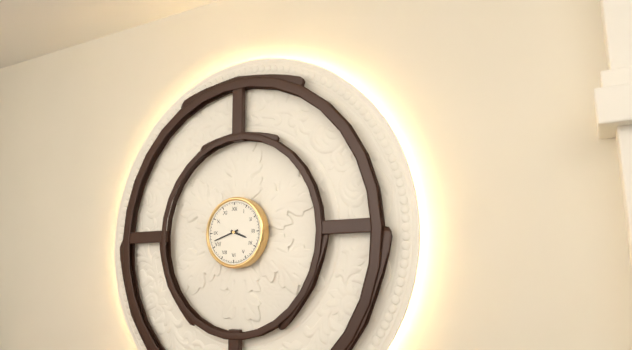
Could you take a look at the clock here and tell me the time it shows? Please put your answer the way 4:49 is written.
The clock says 3:42
